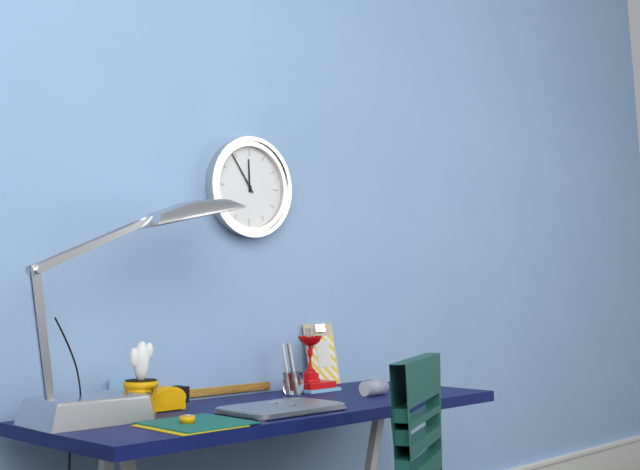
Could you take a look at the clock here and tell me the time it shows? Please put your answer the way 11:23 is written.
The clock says 11:54
